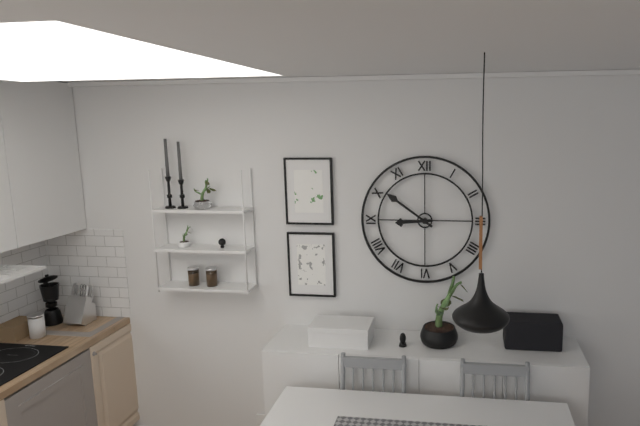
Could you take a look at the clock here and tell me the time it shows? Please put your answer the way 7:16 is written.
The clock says 8:51
